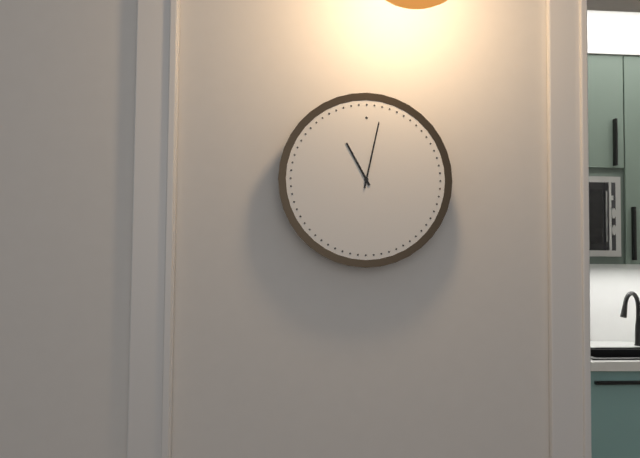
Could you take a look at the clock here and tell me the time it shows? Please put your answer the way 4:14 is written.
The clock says 11:02
